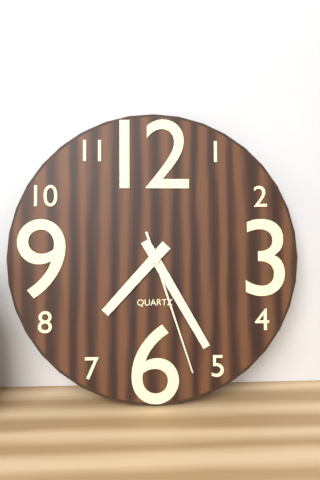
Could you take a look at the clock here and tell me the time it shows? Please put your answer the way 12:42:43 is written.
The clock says 7:25:27
